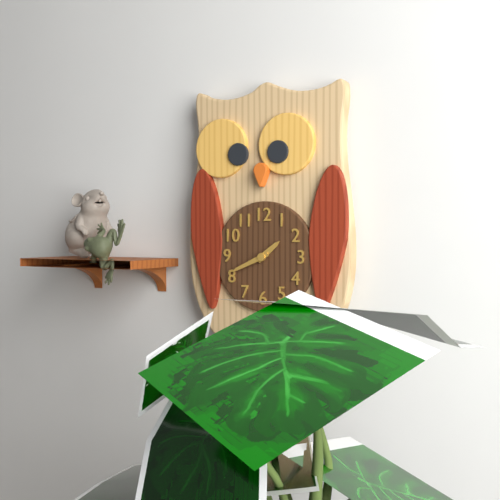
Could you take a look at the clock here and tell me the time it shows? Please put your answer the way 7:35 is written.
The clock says 1:41
